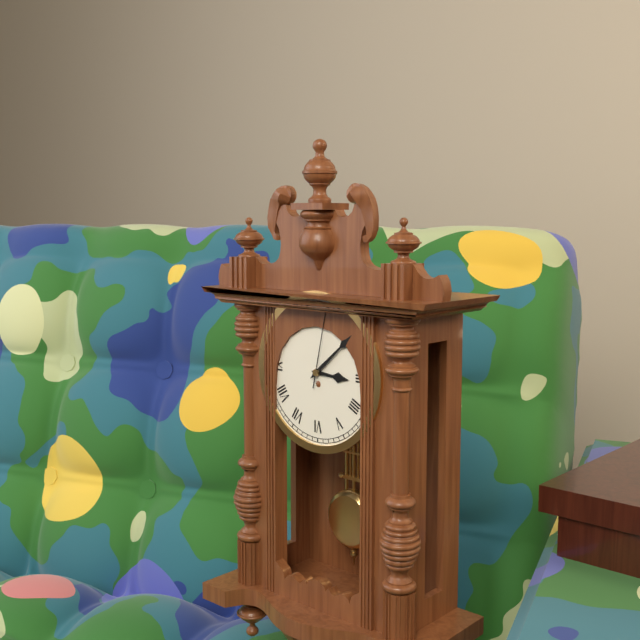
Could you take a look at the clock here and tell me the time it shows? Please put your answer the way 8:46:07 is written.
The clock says 3:08:02
